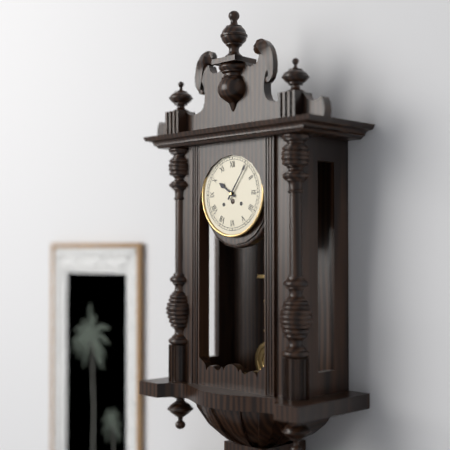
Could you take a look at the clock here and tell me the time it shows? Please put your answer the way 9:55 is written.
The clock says 10:06
